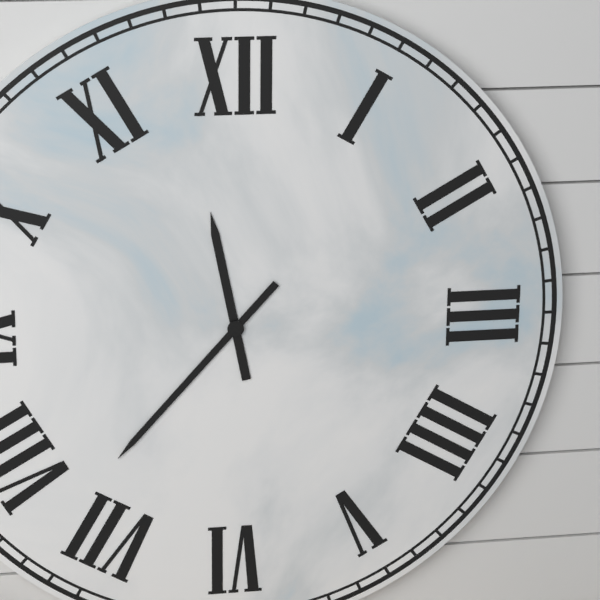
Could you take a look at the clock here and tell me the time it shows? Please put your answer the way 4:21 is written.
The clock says 11:37
